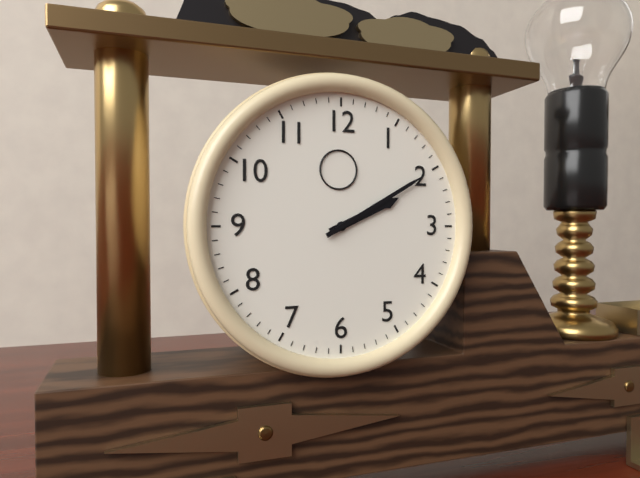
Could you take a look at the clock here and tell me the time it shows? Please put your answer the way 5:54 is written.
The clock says 2:10
